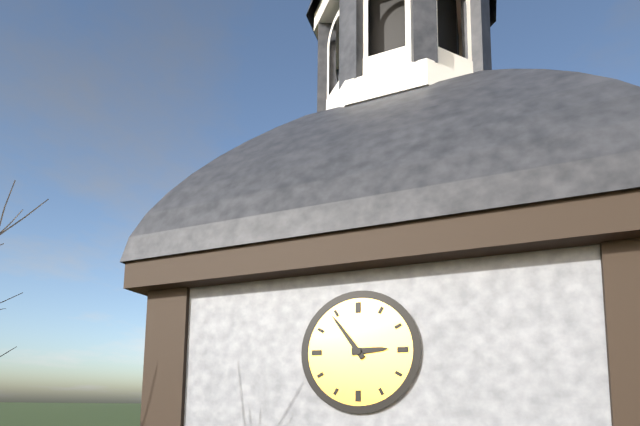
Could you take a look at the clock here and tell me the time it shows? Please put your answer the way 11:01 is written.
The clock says 2:54
